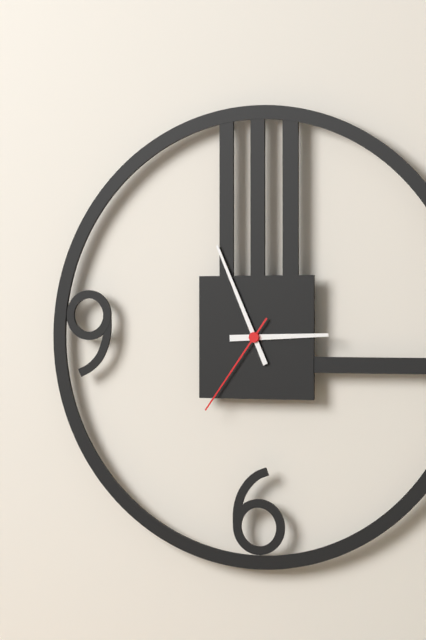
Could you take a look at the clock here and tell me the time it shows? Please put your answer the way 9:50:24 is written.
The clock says 2:56:36
